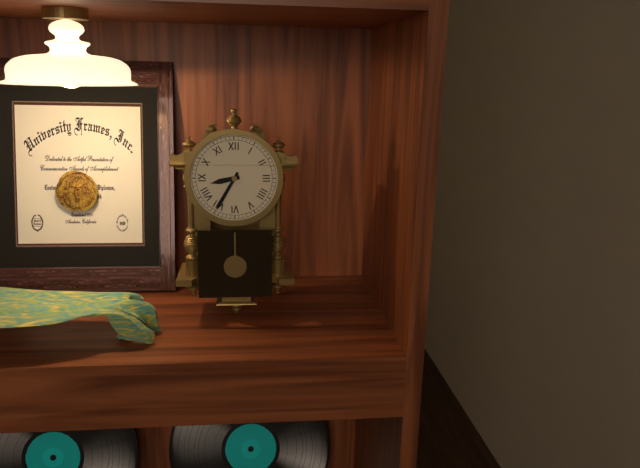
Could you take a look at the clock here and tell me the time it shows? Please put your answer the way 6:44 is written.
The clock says 8:35
